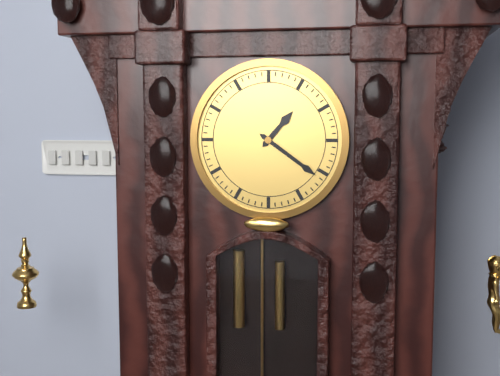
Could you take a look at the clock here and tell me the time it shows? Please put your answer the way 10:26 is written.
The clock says 1:21
